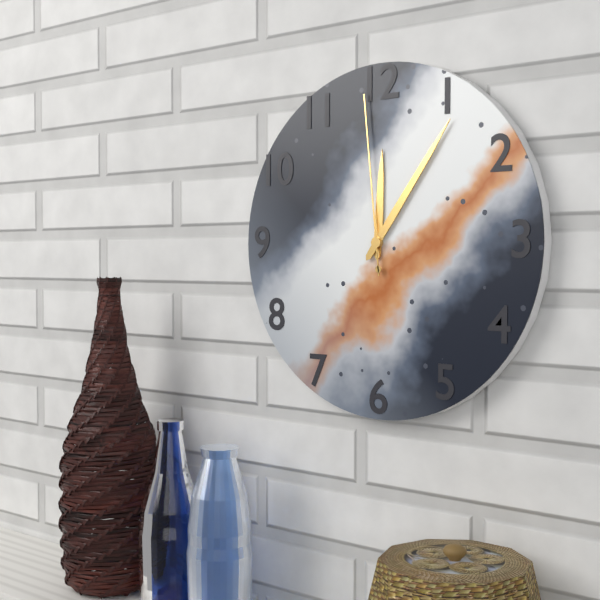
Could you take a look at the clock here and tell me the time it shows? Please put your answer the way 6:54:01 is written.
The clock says 12:06:59
